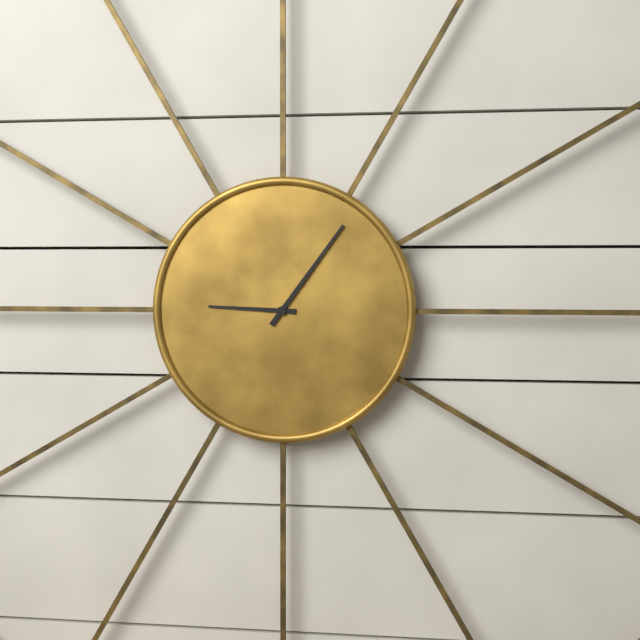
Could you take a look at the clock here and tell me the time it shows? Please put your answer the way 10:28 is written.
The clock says 9:06
